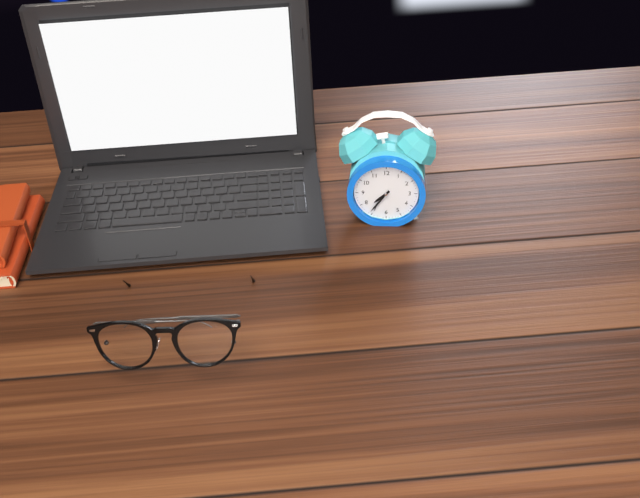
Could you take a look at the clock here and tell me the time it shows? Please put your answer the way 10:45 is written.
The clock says 7:36
